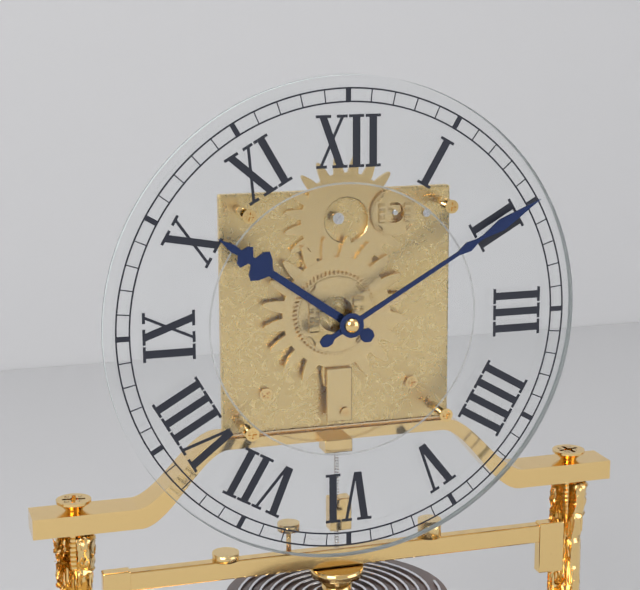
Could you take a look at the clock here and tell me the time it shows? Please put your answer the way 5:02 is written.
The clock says 10:10
